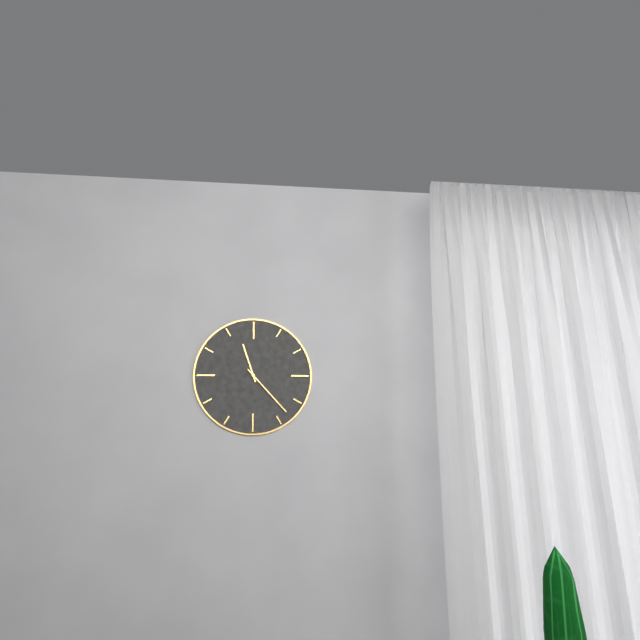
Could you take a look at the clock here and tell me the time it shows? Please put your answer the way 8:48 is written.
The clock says 11:23
